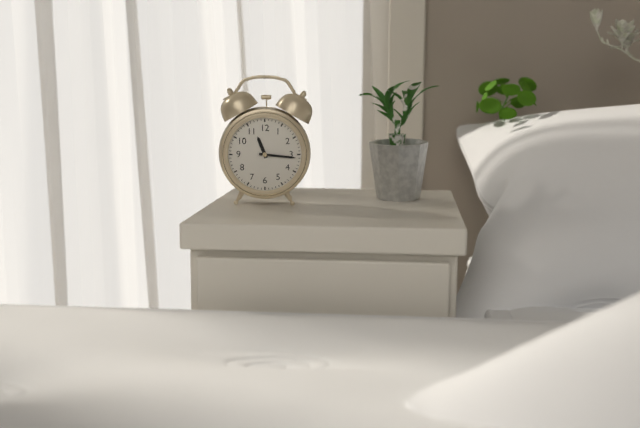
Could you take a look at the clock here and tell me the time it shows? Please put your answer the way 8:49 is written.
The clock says 11:16
